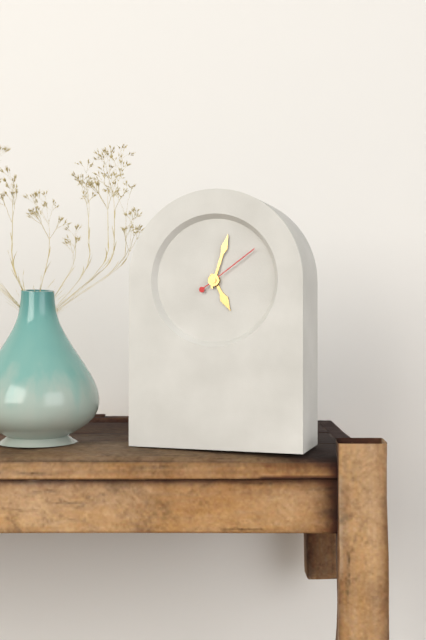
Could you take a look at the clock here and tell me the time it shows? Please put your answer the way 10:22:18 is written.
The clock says 5:03:09
